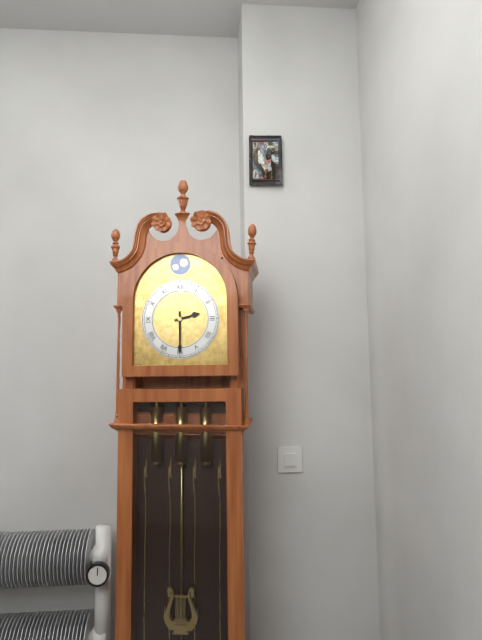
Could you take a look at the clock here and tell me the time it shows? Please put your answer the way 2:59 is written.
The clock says 2:30
